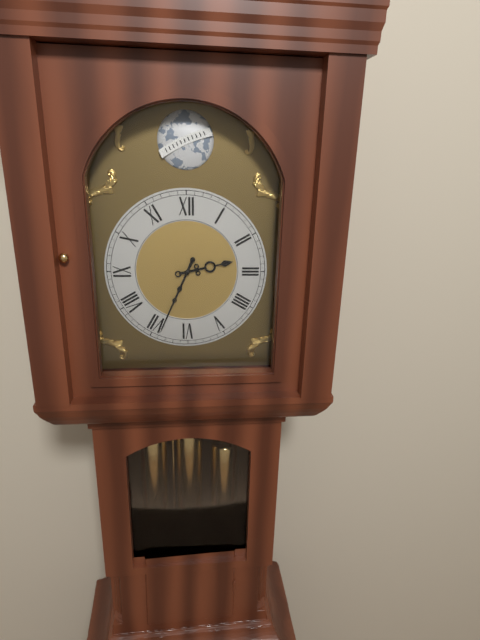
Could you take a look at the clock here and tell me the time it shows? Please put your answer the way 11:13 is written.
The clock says 2:34
